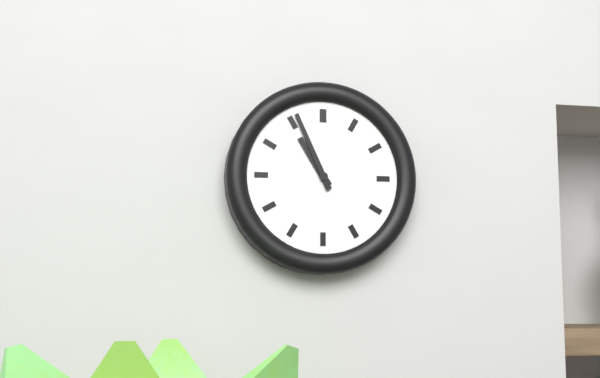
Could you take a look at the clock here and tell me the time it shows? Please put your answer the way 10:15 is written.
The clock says 10:56
